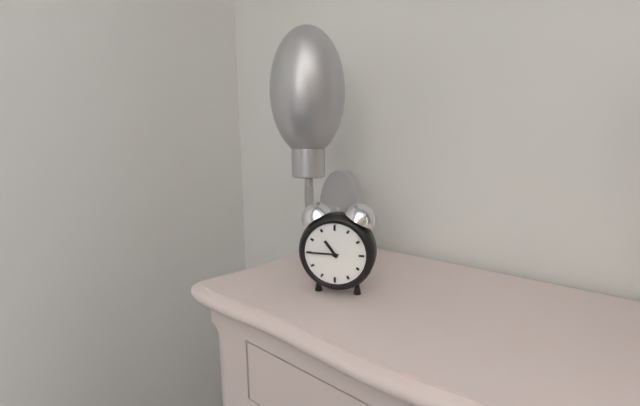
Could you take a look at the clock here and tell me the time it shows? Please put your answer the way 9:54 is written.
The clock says 10:45
